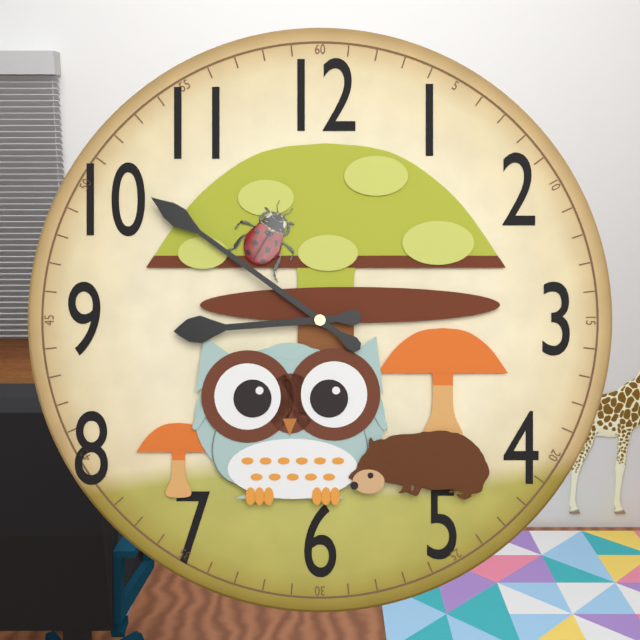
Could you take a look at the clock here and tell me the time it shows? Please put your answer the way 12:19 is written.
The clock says 8:51
